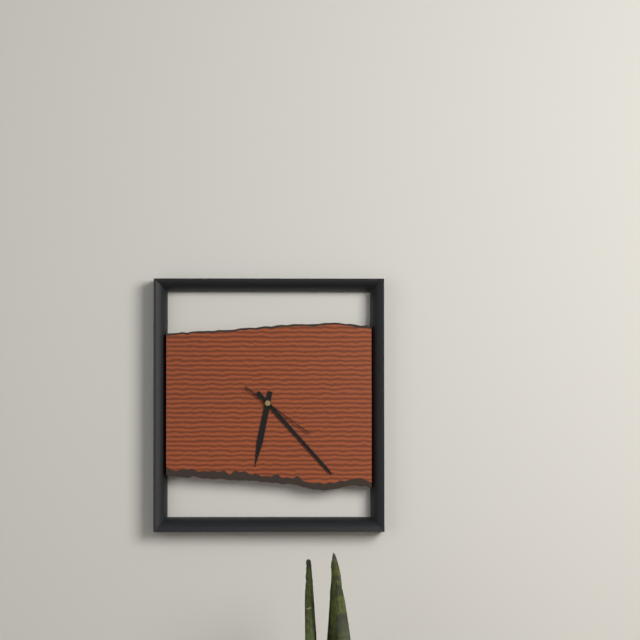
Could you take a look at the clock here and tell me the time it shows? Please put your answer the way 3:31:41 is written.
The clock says 6:23:21
